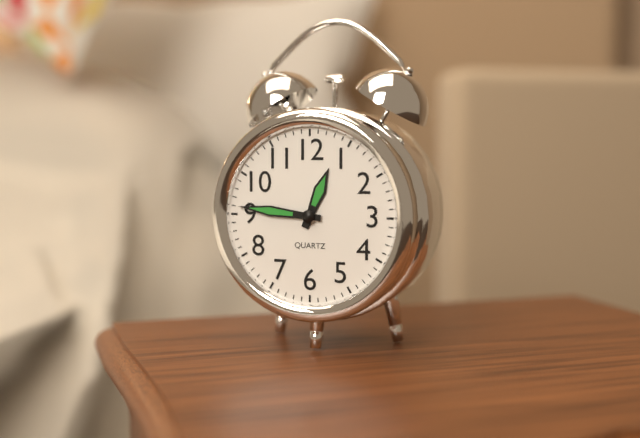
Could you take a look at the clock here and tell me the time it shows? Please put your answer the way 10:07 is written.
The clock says 12:46
